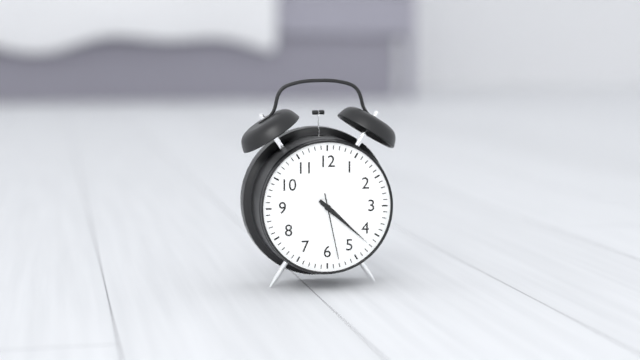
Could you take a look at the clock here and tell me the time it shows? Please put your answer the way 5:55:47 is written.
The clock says 4:22:28
